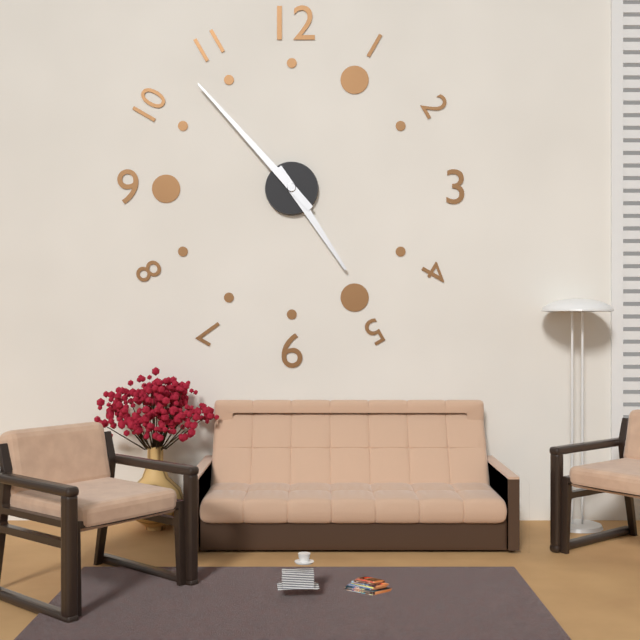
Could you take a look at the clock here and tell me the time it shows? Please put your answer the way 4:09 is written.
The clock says 4:53
